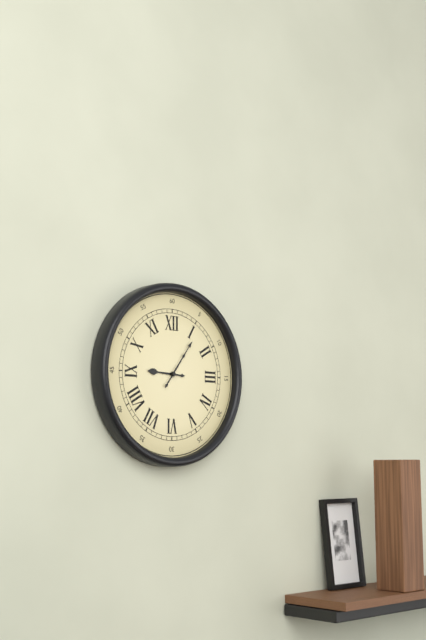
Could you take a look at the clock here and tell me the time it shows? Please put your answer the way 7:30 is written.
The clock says 9:06
